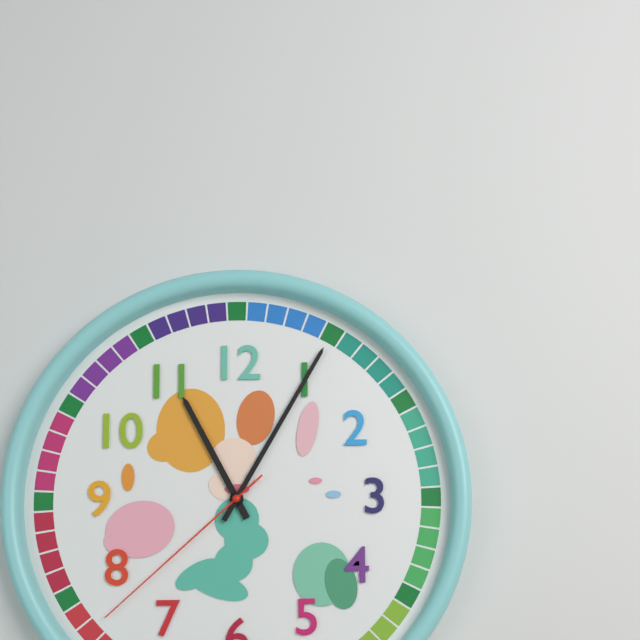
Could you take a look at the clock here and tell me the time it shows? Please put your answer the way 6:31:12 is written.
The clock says 11:05:38
